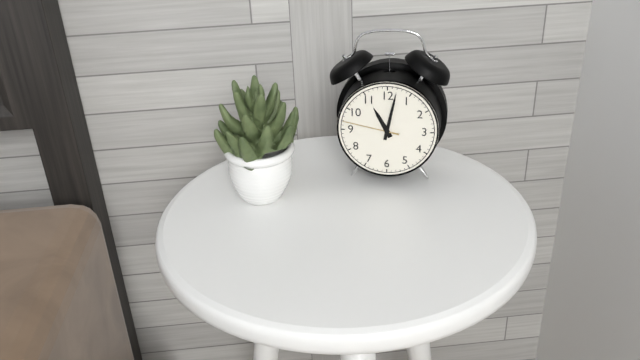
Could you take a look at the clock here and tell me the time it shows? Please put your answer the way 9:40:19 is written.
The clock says 11:02:47
